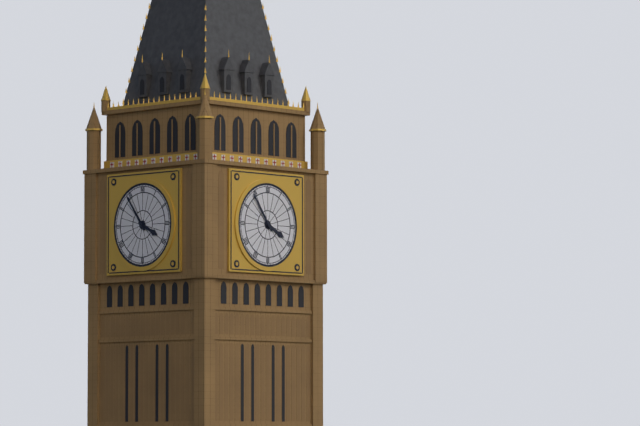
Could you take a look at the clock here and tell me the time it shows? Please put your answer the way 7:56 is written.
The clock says 3:54
